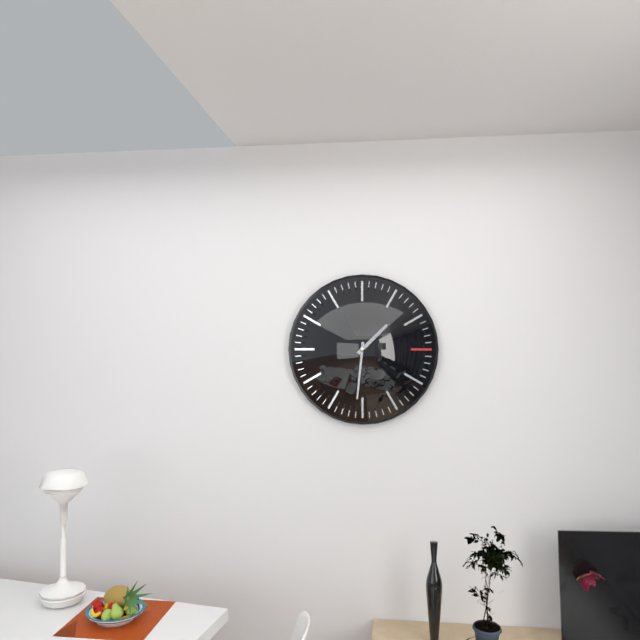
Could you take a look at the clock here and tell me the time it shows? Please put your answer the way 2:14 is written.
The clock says 1:31
